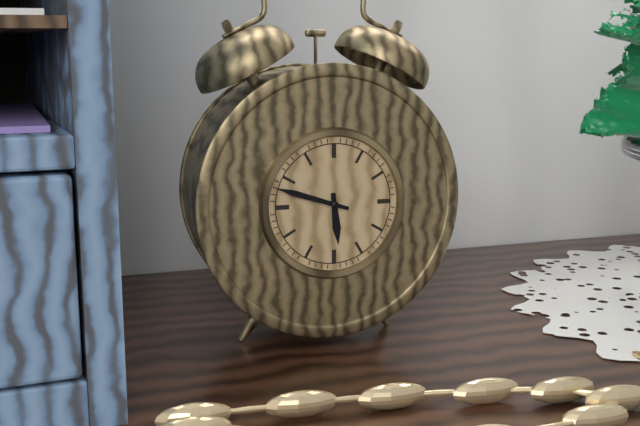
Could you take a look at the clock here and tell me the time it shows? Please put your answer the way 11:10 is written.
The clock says 5:48
